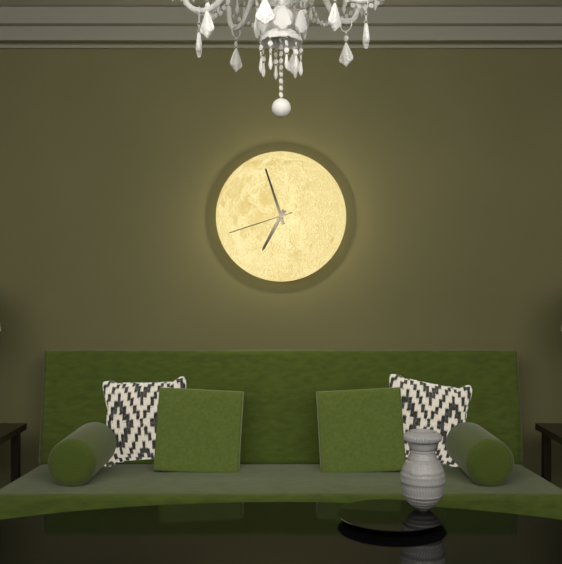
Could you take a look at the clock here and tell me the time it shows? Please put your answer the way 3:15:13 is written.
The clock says 6:57:42
